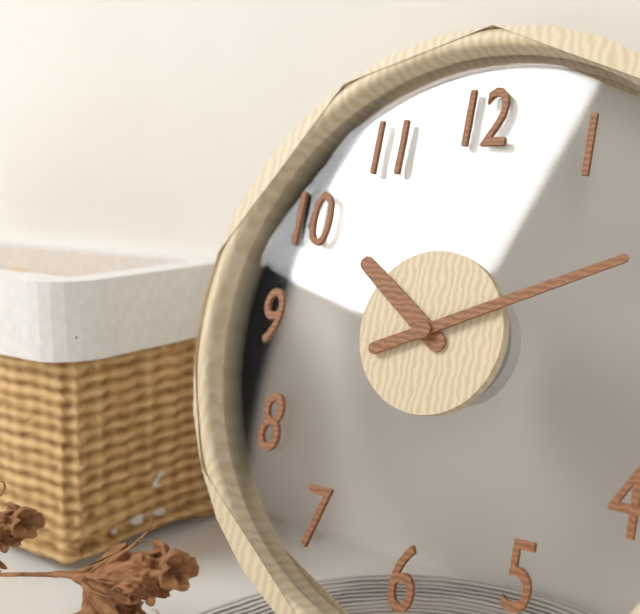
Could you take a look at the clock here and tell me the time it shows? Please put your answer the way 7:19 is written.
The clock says 10:11
